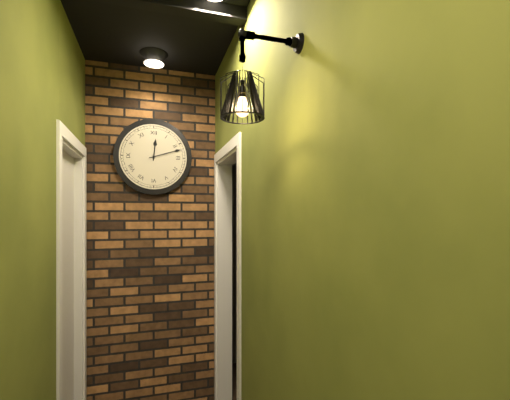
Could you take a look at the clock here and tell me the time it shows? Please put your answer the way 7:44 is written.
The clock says 12:12
